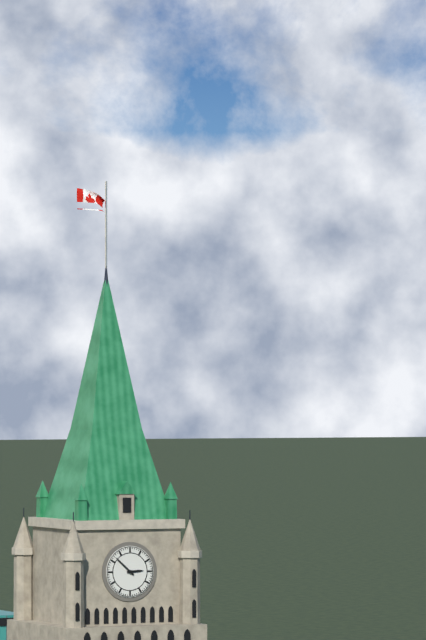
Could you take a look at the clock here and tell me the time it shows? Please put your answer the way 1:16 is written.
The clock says 2:52
